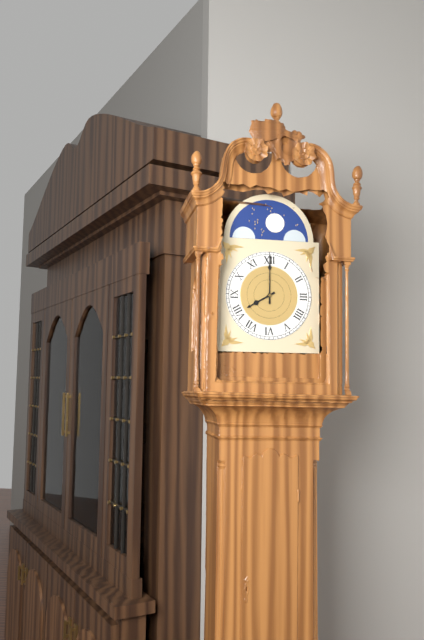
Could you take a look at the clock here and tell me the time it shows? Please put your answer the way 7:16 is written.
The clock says 8:00
